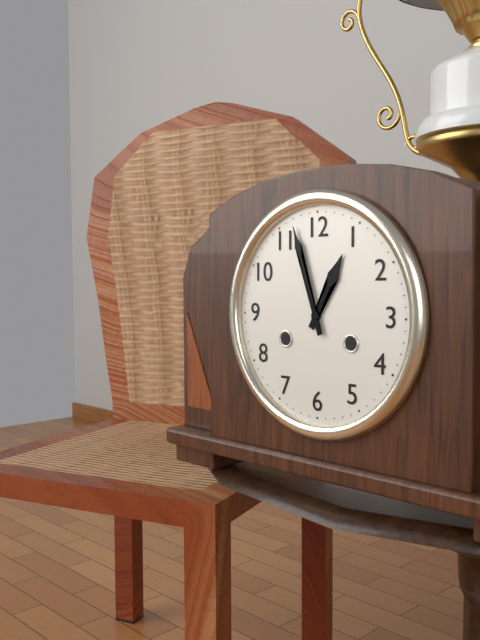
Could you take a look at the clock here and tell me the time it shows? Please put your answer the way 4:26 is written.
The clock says 12:57
